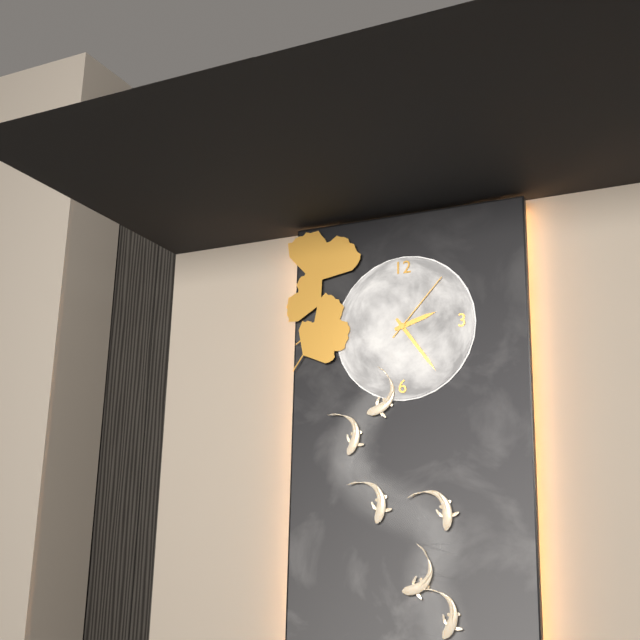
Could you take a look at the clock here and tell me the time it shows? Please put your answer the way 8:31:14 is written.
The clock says 2:24:07
